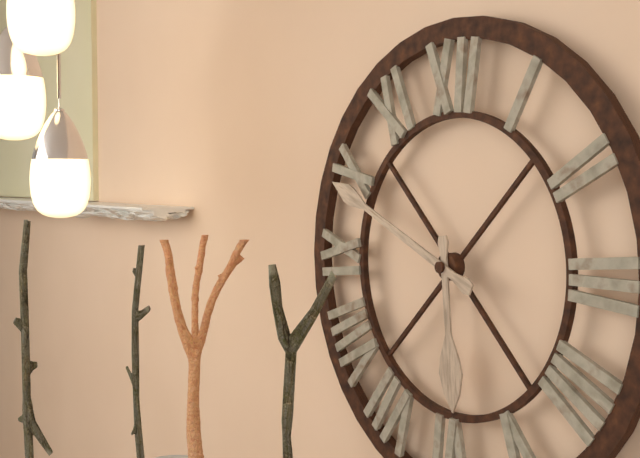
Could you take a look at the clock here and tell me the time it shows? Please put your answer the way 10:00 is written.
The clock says 5:49
